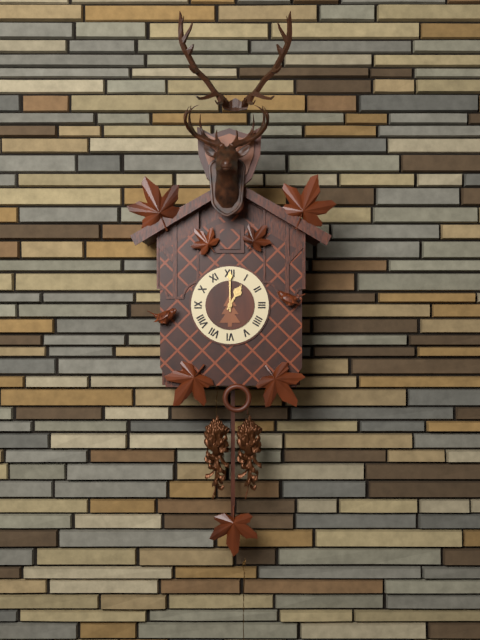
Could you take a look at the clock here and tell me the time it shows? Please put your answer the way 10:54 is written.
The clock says 1:00
